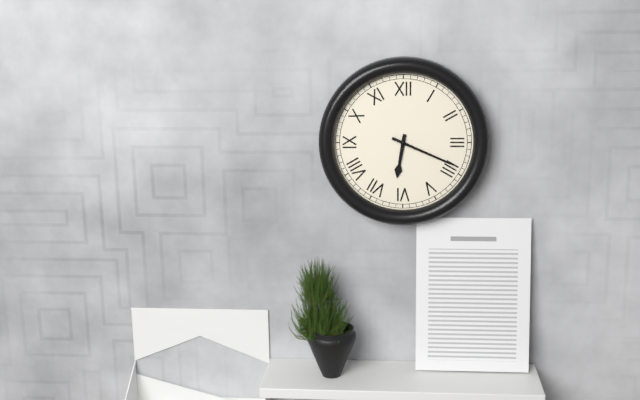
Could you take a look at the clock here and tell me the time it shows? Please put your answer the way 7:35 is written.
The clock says 6:19
